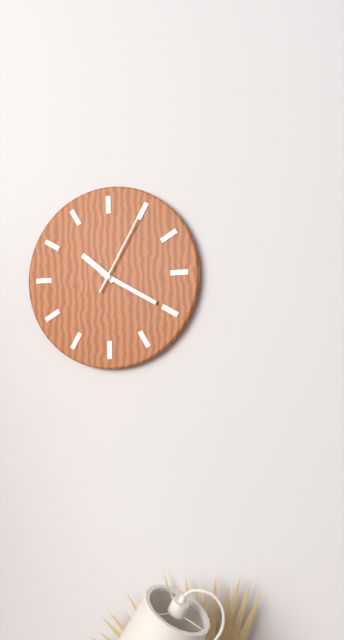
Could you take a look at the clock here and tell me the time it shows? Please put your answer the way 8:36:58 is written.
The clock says 10:20:05
